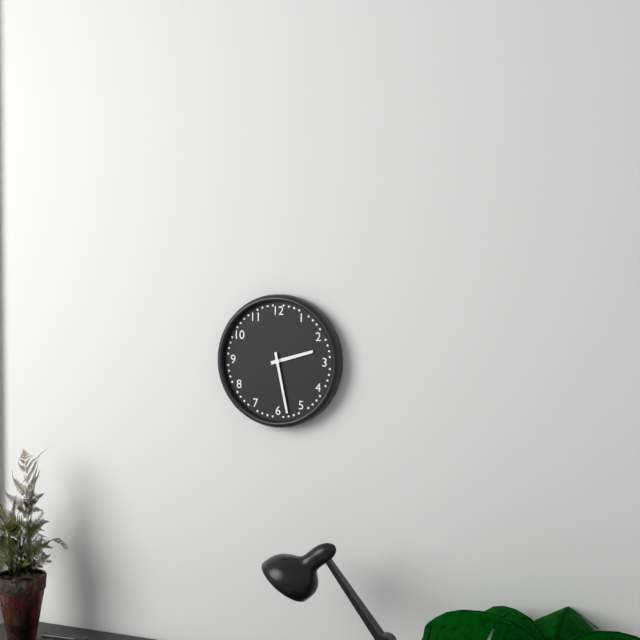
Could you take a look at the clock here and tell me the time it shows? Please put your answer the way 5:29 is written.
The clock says 2:28
